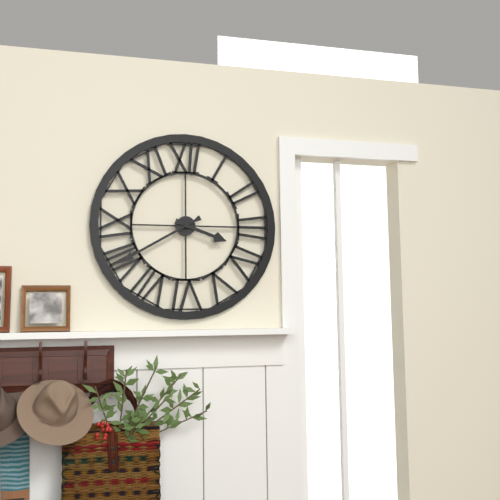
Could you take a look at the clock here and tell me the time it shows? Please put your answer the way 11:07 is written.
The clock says 3:40
